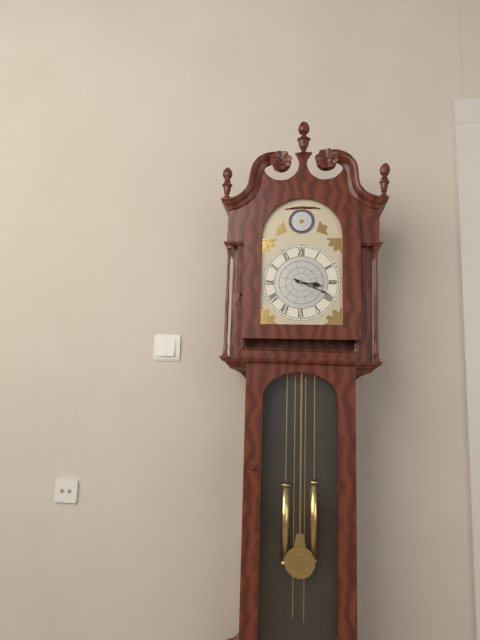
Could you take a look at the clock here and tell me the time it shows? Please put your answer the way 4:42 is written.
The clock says 3:19
